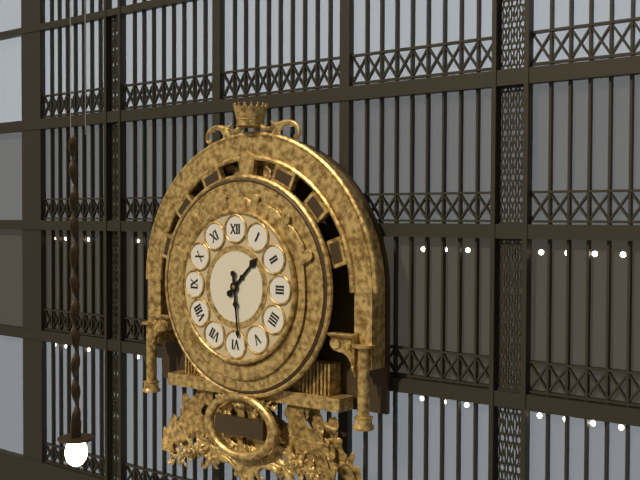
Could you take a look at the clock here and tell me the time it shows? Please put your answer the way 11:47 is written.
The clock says 1:29
